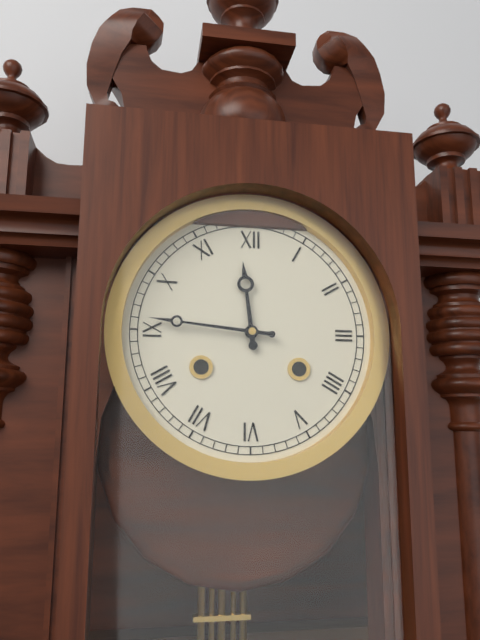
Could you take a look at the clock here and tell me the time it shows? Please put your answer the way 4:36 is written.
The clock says 11:46
